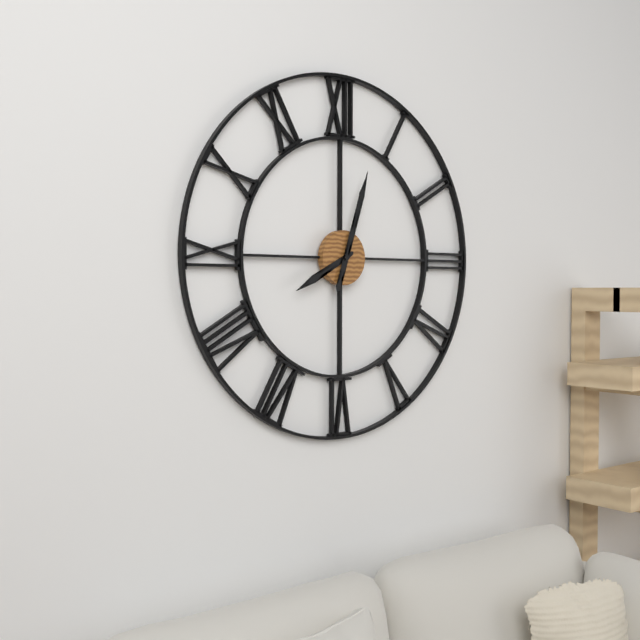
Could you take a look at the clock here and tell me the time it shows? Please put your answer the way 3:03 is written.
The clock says 8:03
